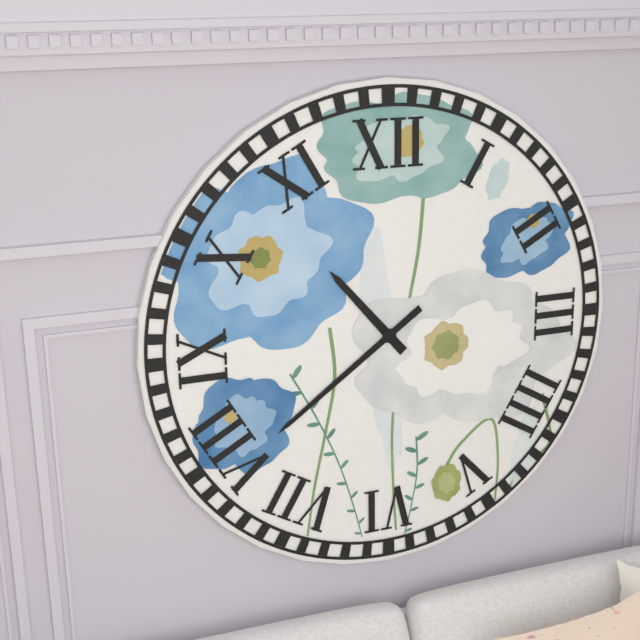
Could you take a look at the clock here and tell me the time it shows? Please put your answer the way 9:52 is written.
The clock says 10:39
